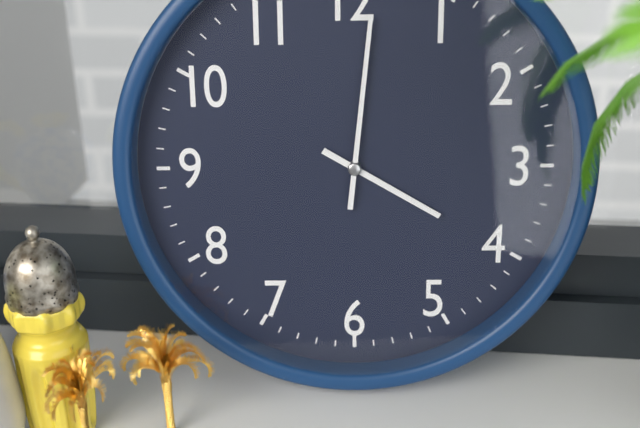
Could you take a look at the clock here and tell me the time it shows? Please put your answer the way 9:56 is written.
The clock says 4:01
